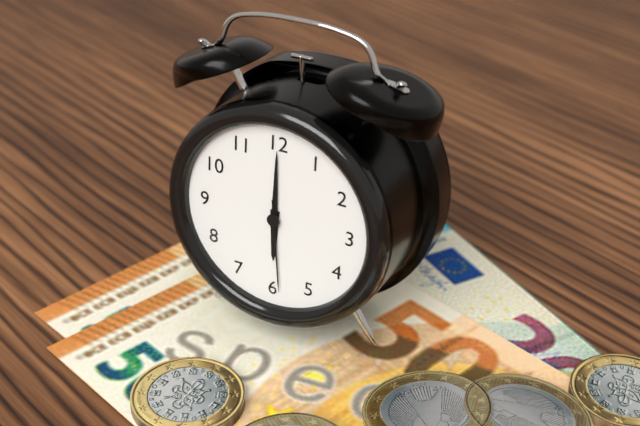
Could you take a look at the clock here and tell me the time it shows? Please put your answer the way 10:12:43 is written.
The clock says 6:00:29
